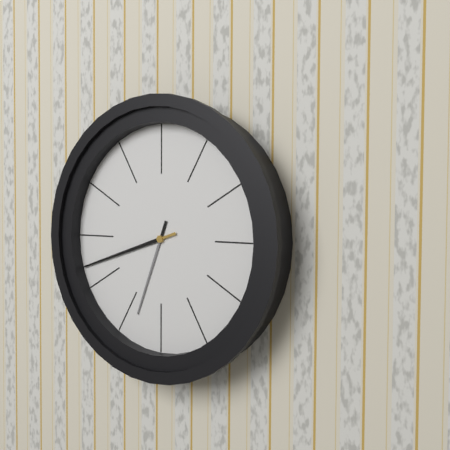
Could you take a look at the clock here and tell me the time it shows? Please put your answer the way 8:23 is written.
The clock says 6:42
